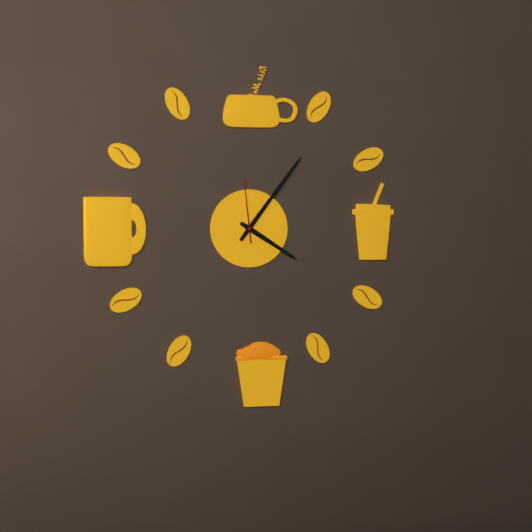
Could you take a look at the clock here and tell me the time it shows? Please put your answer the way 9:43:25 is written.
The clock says 4:06:59
